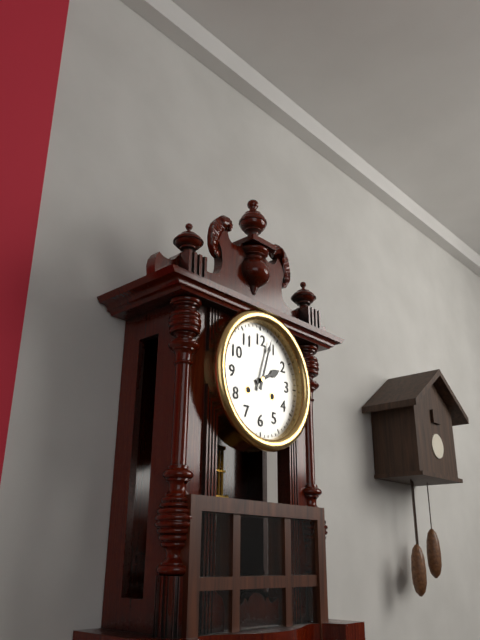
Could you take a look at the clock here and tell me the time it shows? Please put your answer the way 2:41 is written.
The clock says 2:03
